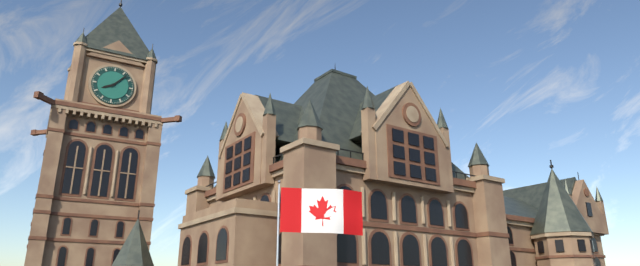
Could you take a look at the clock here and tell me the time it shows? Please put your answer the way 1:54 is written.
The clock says 8:07
